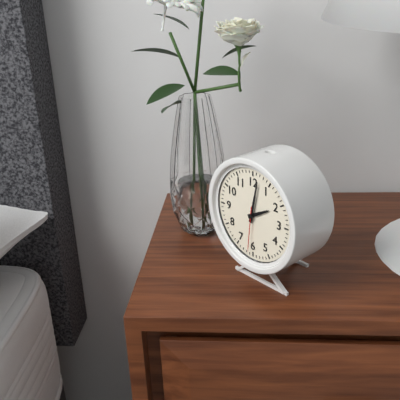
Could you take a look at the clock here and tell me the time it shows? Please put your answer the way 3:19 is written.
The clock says 2:02
